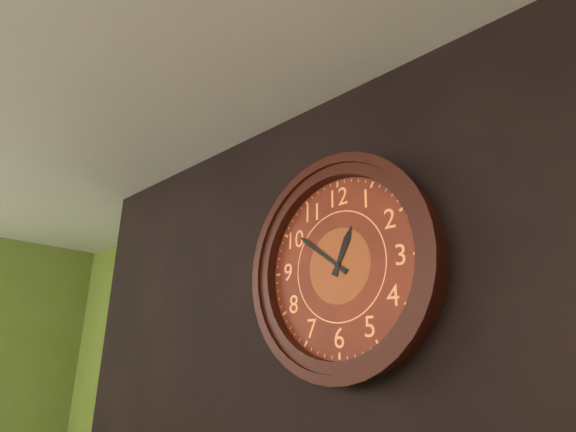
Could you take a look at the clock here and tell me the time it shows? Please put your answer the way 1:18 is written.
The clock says 12:51
